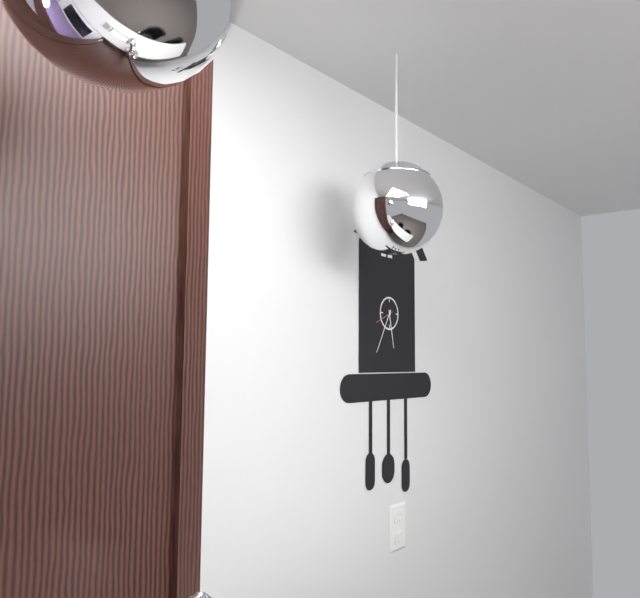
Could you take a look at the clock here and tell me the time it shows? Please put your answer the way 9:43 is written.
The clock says 5:35
